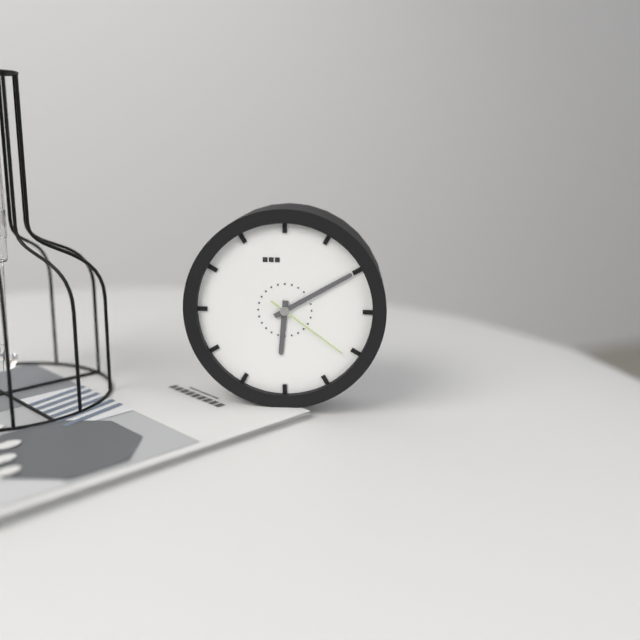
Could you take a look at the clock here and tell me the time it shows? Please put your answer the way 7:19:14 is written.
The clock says 6:10:21
